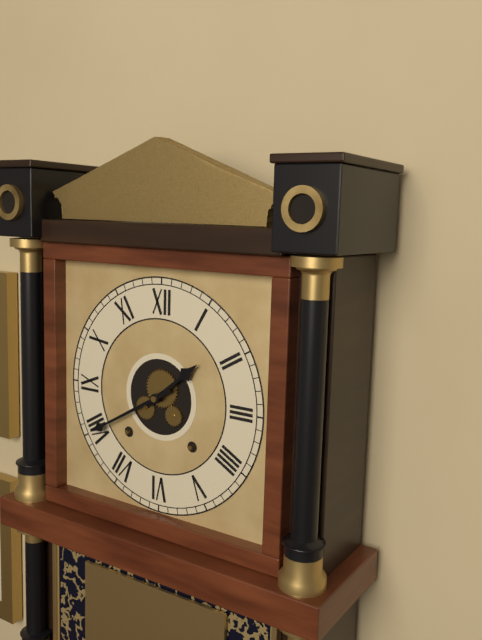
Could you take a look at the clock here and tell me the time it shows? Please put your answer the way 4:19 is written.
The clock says 1:40
